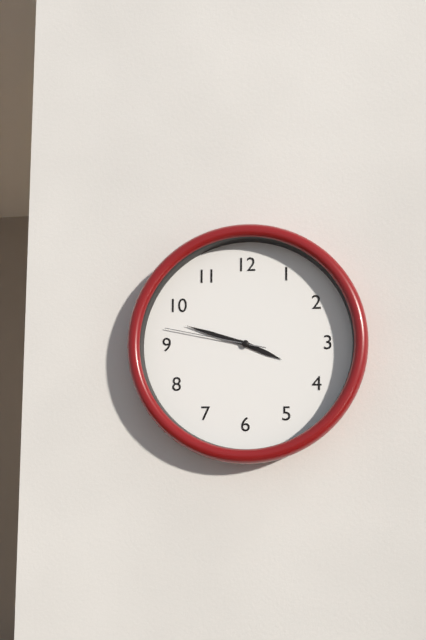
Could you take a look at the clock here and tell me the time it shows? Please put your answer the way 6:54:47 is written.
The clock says 3:48:47
